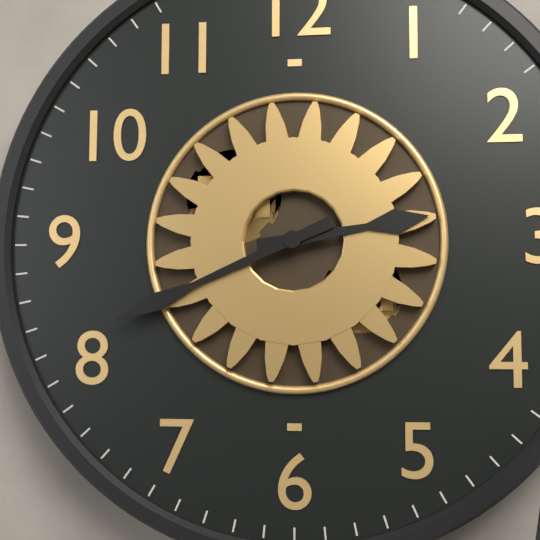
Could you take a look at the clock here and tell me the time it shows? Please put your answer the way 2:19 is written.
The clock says 2:41
